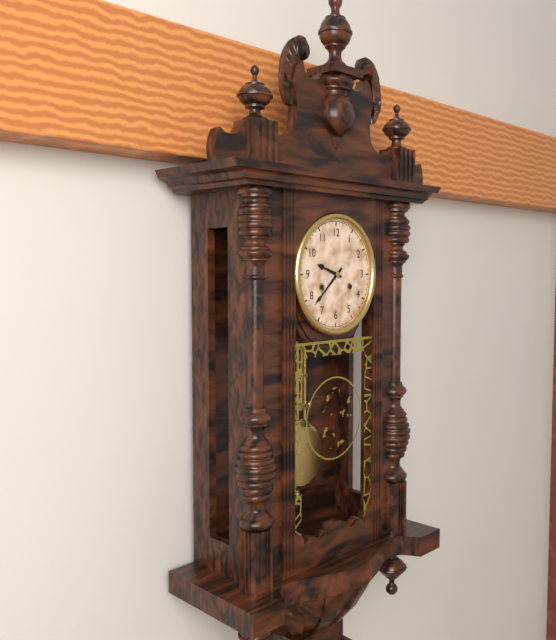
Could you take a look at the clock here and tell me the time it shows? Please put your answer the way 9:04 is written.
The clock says 9:38
